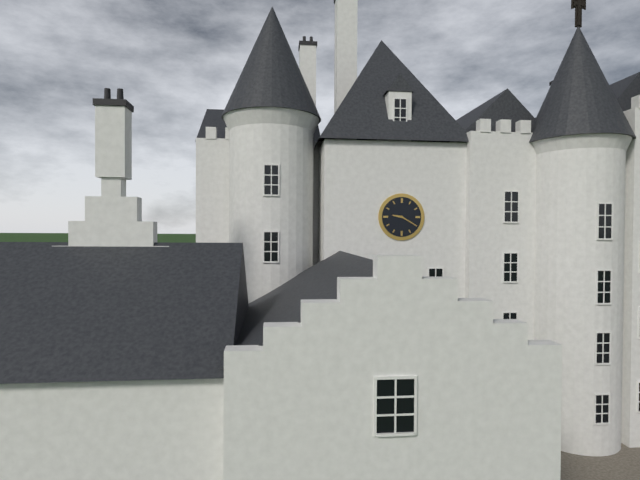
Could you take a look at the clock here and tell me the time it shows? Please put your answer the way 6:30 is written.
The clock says 9:20
